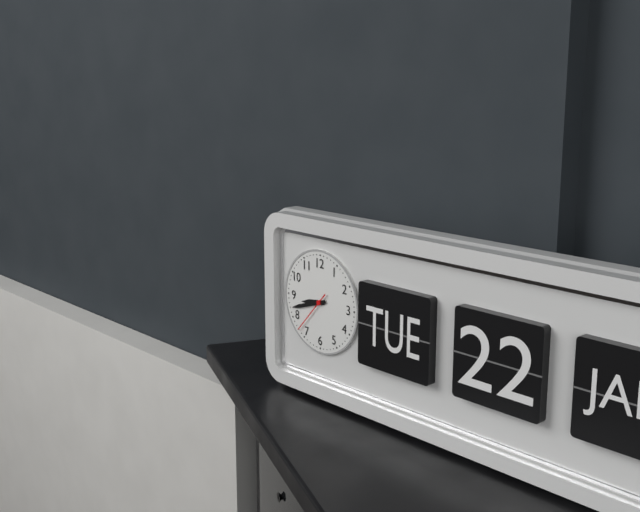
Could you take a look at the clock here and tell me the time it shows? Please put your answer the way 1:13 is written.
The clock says 8:42
